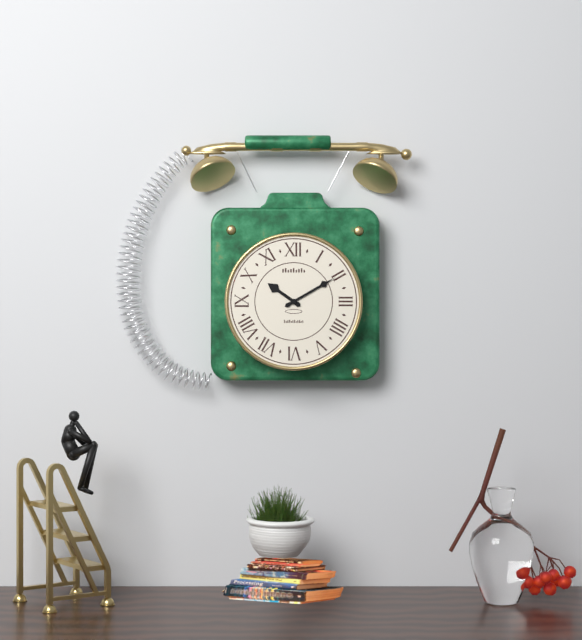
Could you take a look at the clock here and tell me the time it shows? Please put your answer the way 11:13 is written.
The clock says 10:10
